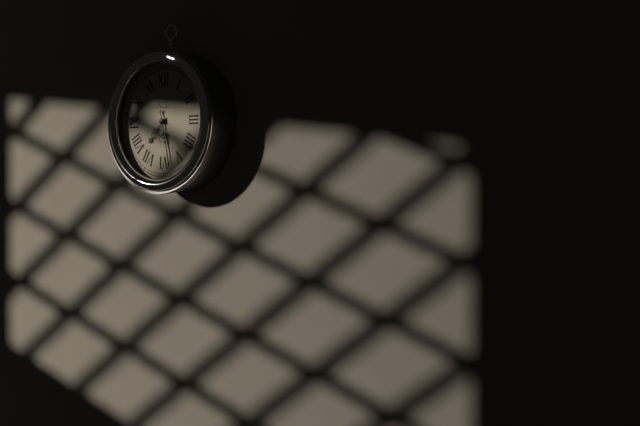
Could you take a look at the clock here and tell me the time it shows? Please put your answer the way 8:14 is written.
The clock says 7:28
